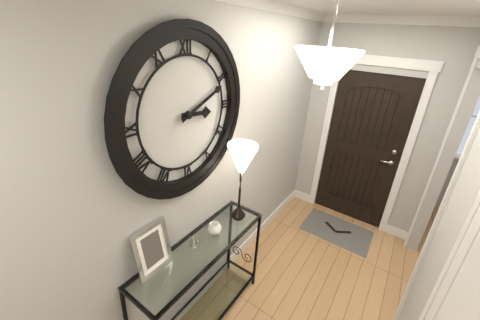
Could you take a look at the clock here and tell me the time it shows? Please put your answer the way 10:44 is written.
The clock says 3:11
